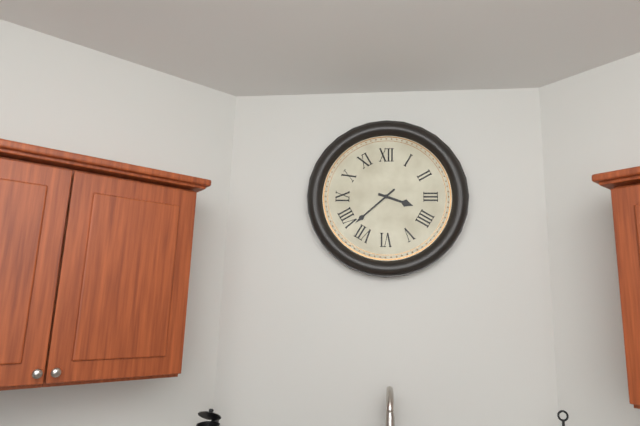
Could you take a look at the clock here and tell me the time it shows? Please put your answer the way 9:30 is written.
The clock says 3:38
